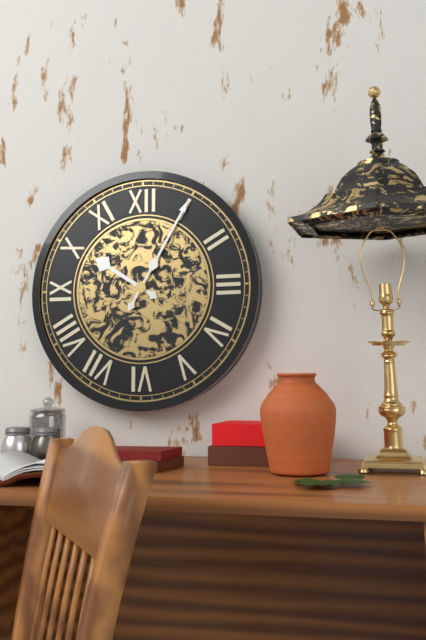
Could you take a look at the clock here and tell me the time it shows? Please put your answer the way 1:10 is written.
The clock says 10:05
